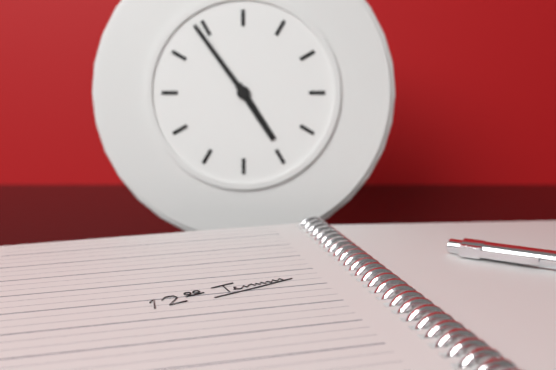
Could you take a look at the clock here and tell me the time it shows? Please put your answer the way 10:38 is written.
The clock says 4:54
